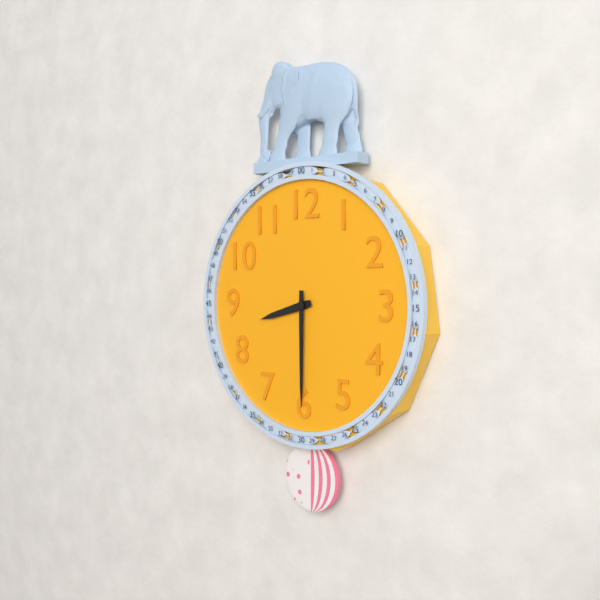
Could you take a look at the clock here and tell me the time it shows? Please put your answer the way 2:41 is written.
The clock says 8:30
